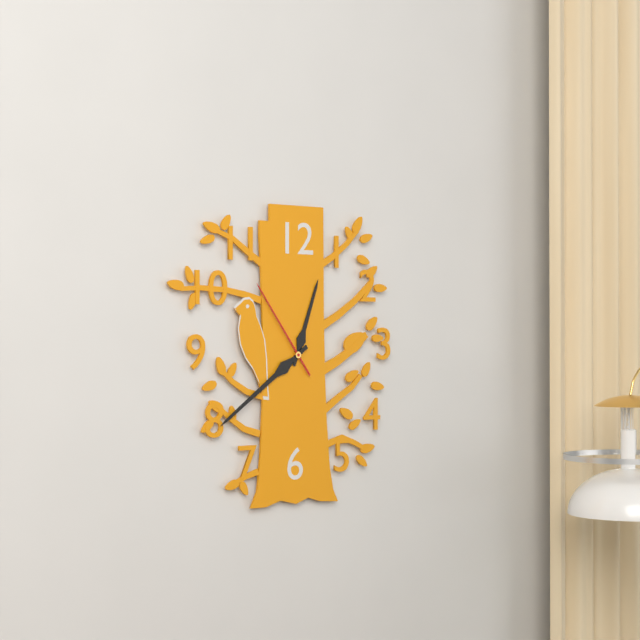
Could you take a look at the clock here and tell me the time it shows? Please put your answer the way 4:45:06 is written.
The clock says 12:39:54
